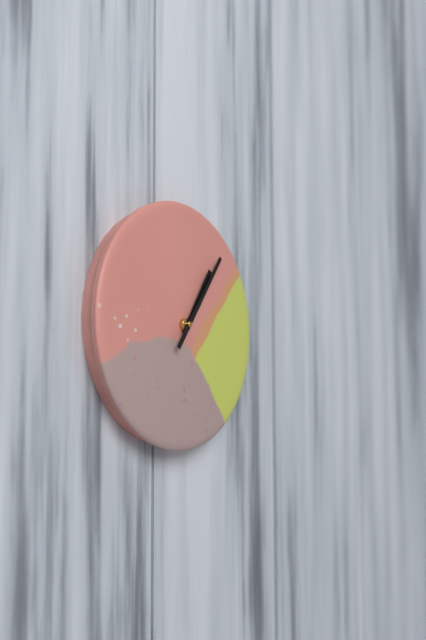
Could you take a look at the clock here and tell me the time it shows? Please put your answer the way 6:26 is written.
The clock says 1:06
